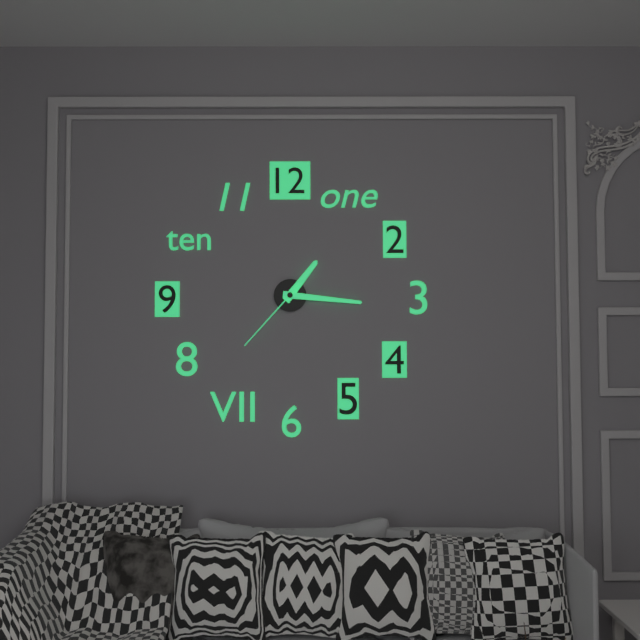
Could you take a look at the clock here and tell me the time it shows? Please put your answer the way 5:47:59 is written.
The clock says 1:16:37
